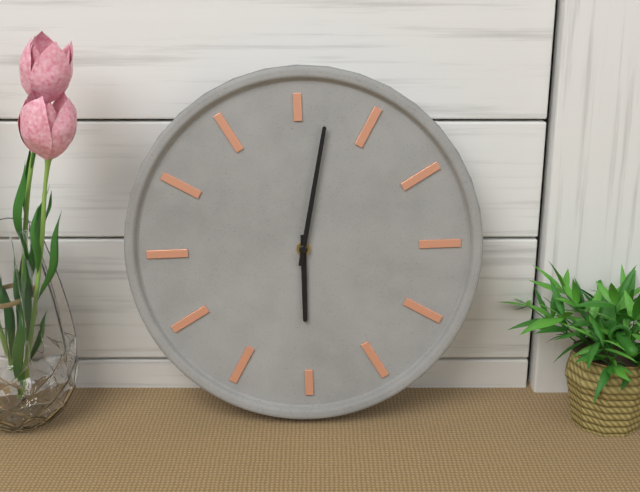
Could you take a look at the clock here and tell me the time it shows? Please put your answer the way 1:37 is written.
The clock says 6:02
